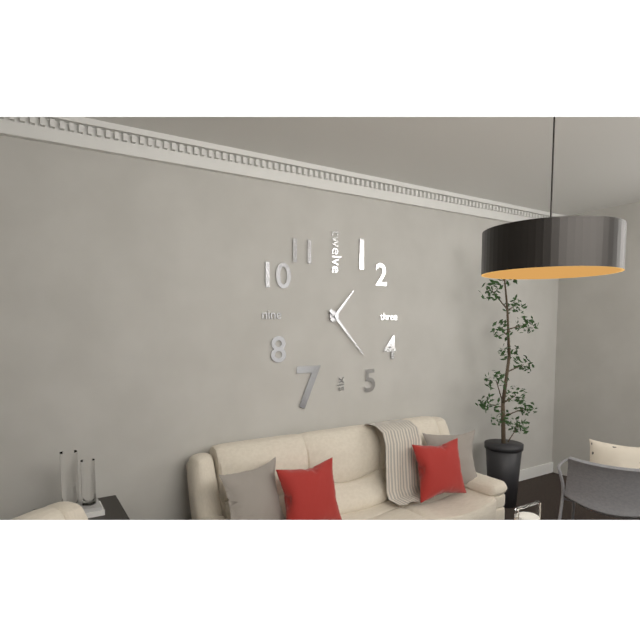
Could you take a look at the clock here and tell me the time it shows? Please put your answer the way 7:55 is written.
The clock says 1:23
